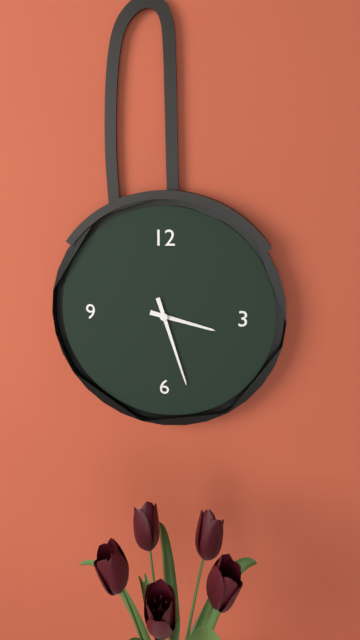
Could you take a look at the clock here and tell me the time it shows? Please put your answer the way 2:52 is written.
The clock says 3:27
